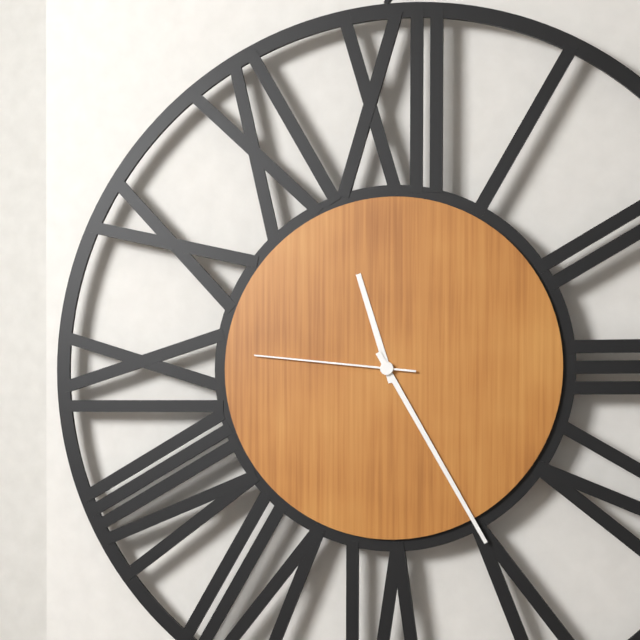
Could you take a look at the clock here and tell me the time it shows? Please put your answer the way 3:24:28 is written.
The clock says 11:25:46
